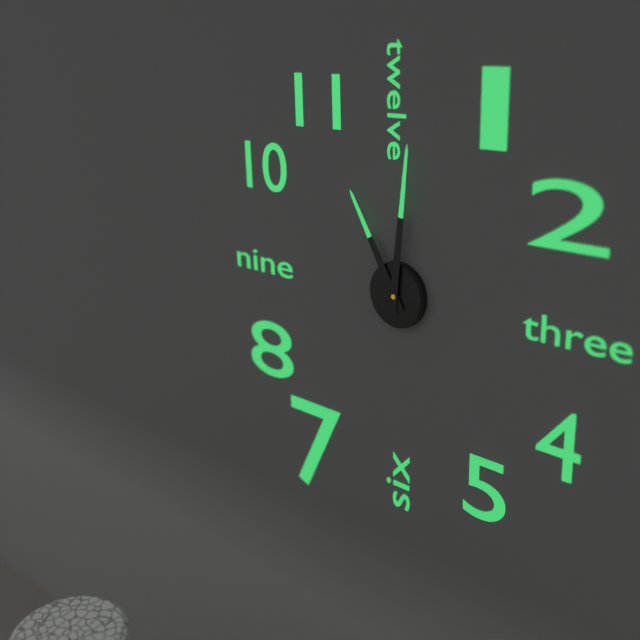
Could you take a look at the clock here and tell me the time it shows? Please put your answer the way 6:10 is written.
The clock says 11:01
